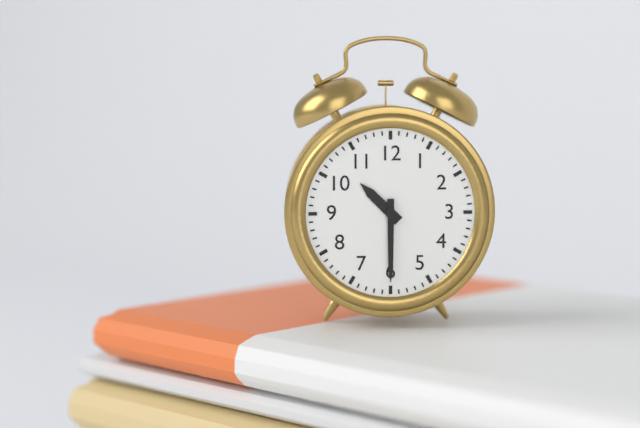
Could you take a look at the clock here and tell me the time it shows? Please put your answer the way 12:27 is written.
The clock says 10:30
